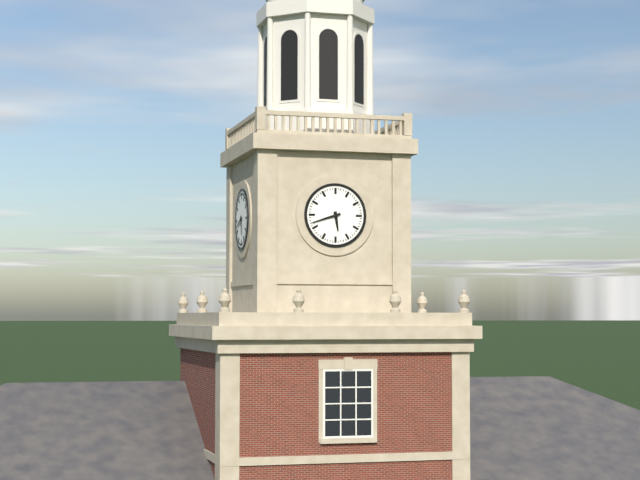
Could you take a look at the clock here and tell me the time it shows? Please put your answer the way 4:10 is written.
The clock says 5:42
